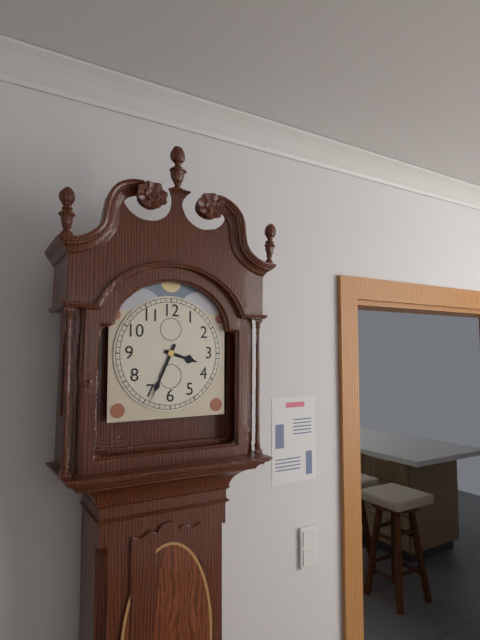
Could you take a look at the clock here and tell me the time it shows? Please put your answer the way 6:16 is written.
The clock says 3:34
